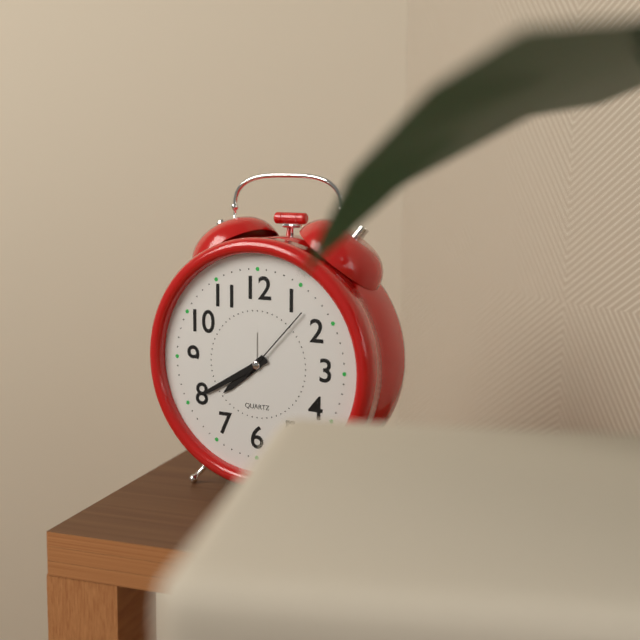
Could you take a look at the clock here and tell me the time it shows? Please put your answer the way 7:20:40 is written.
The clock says 7:40:07
